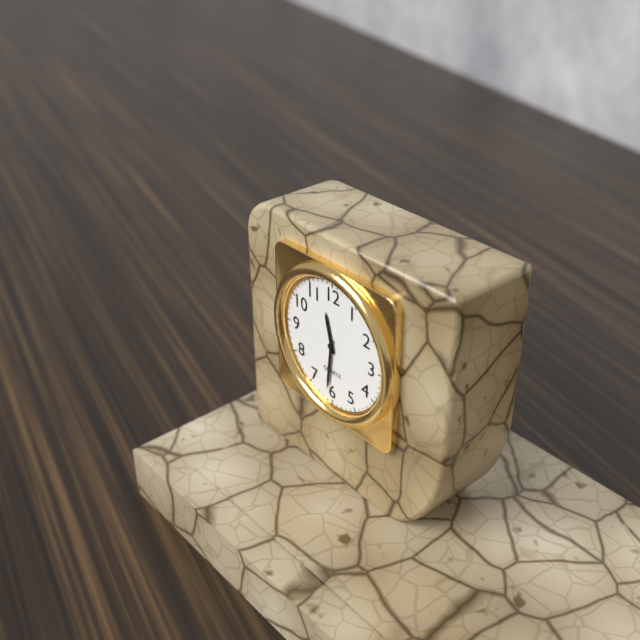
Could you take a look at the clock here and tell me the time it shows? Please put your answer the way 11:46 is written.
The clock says 11:31
